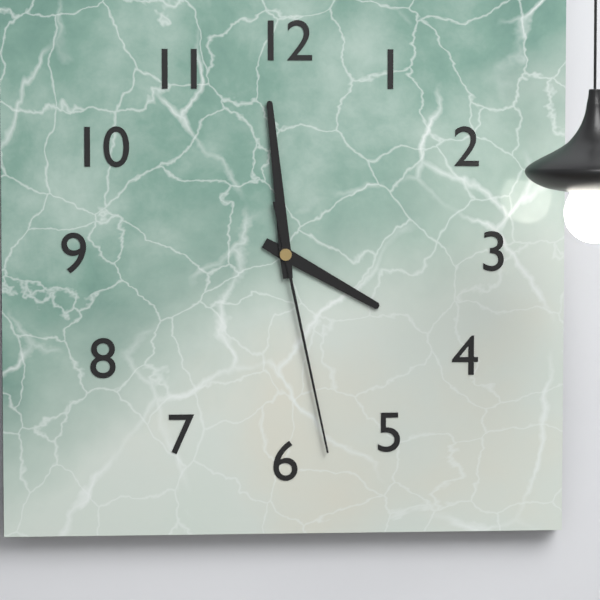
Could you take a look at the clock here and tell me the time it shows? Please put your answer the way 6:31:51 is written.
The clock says 3:59:28
